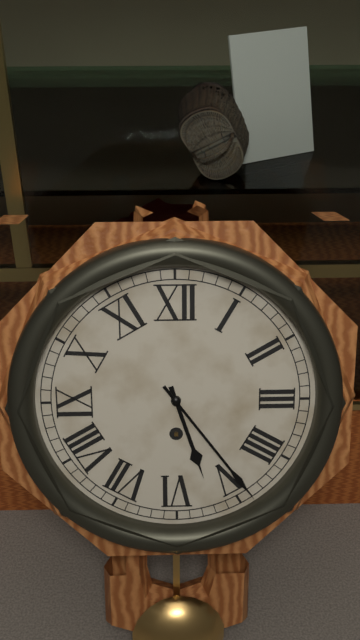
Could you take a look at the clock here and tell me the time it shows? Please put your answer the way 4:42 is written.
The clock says 5:24
